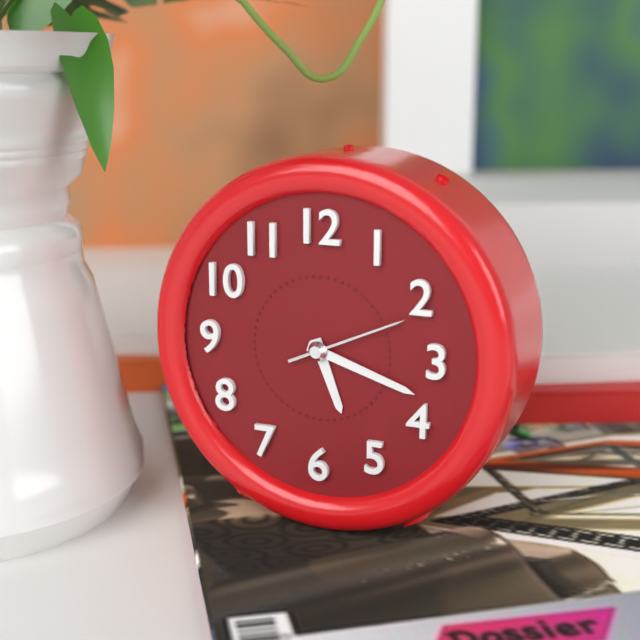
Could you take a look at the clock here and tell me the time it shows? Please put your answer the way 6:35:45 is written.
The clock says 5:18:11
